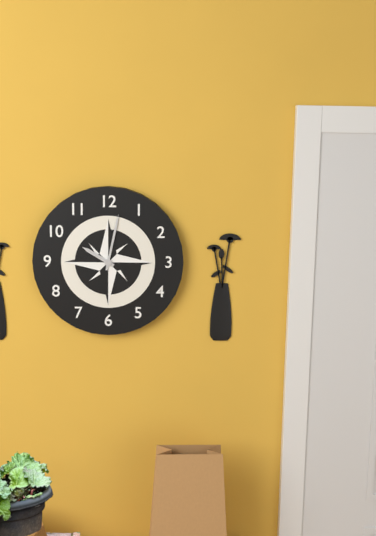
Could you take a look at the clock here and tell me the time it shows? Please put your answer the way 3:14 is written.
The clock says 10:02
